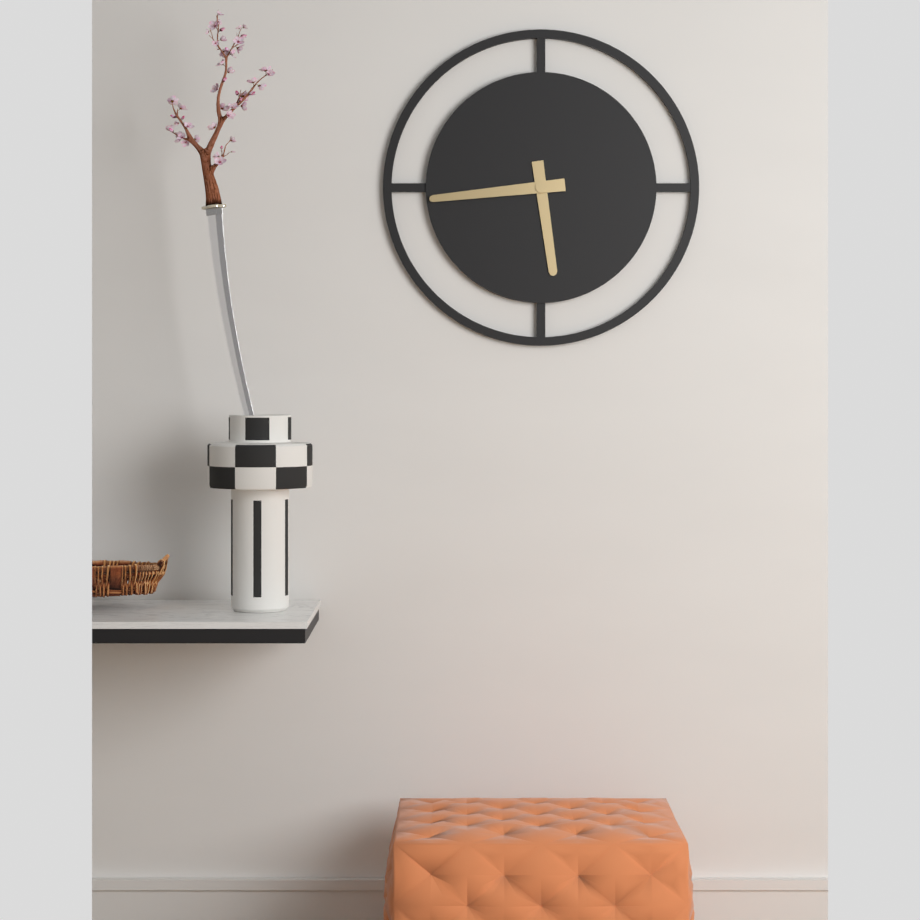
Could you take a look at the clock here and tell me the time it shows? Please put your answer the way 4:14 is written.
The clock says 5:44
